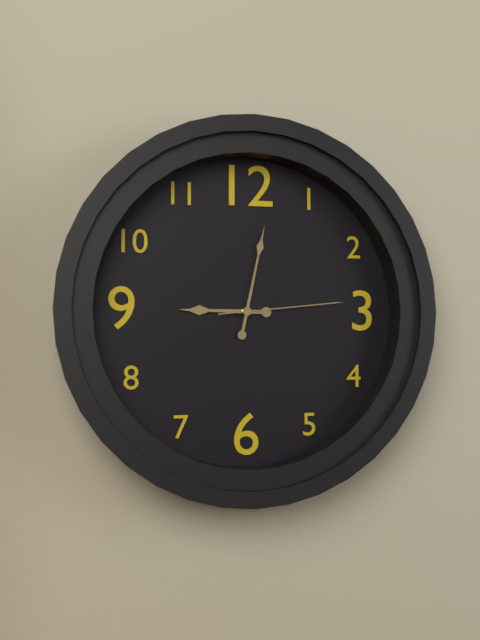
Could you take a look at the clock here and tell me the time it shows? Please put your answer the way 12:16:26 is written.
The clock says 9:02:14
